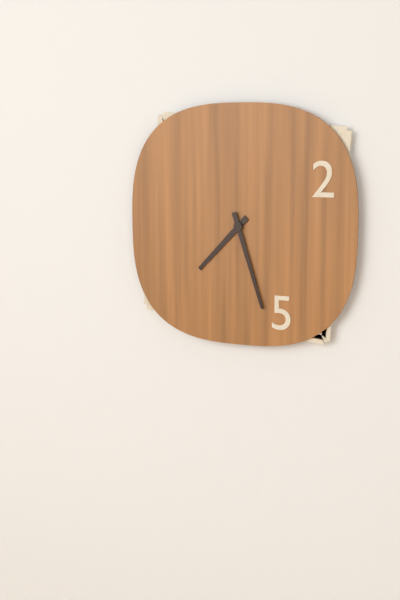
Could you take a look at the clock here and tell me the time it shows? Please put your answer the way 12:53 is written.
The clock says 7:27
